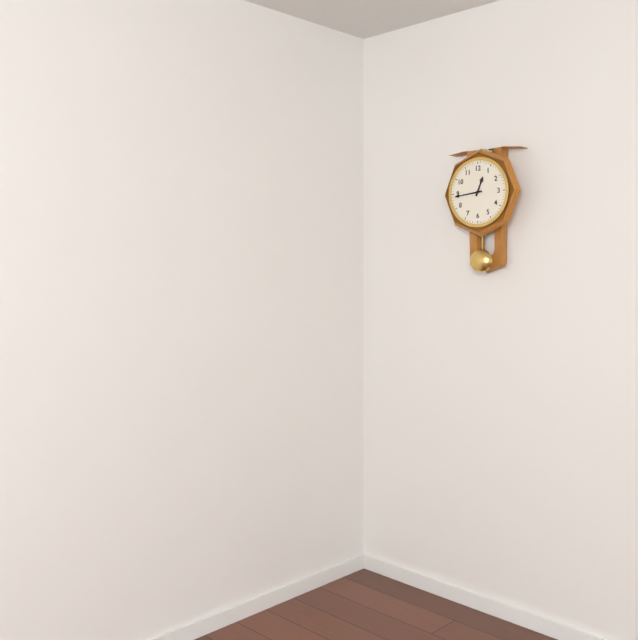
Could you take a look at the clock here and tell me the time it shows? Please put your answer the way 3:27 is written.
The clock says 12:44
